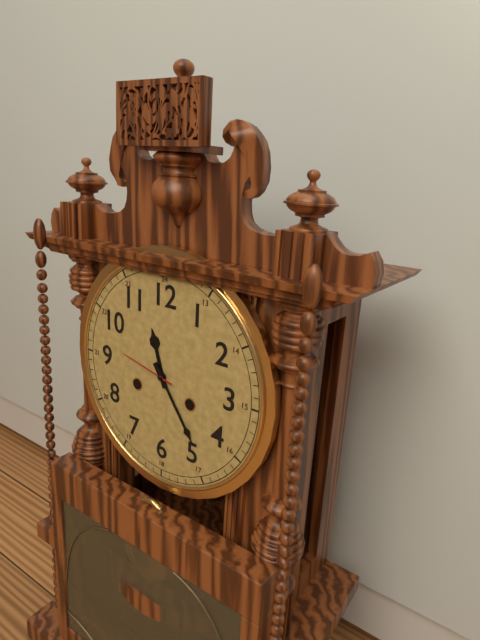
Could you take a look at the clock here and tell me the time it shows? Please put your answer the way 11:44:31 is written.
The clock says 11:24:47
